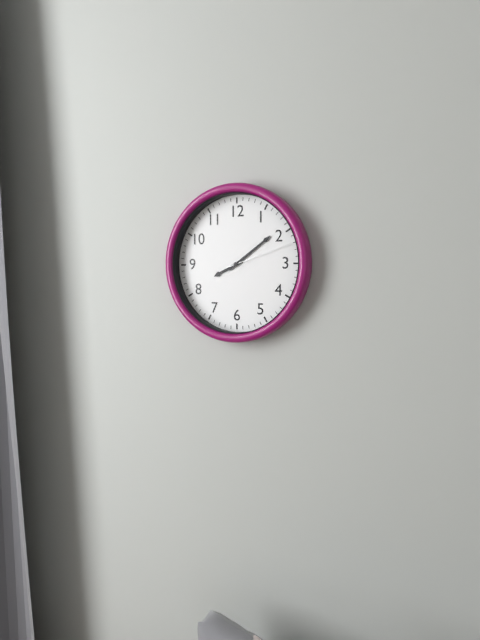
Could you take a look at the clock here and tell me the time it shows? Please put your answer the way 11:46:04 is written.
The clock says 8:09:12
